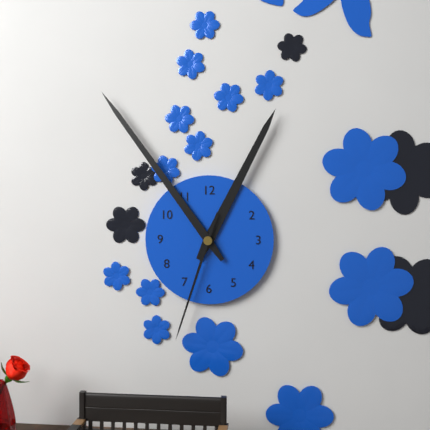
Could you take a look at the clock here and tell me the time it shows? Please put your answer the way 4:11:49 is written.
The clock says 12:54:33
